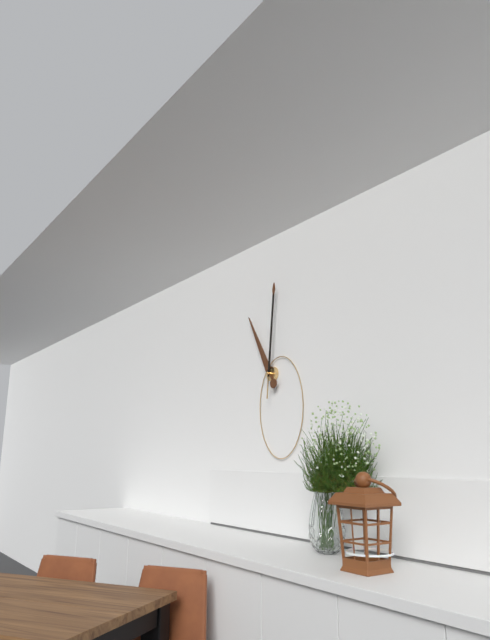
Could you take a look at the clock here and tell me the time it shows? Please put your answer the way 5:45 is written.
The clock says 11:01
